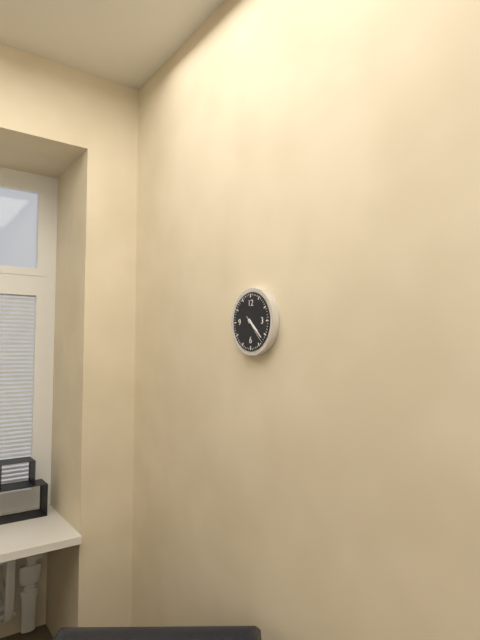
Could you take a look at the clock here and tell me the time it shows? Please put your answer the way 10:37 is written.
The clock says 4:22
